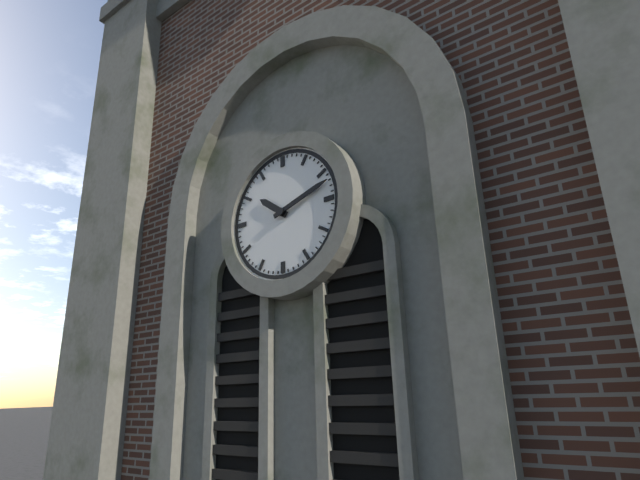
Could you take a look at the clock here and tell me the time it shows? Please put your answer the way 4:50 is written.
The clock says 10:12
